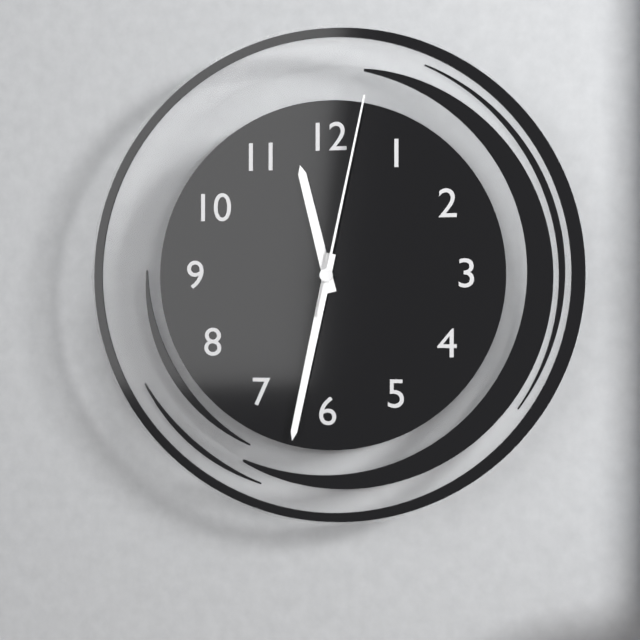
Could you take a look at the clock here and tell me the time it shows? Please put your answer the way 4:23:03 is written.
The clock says 11:32:02
